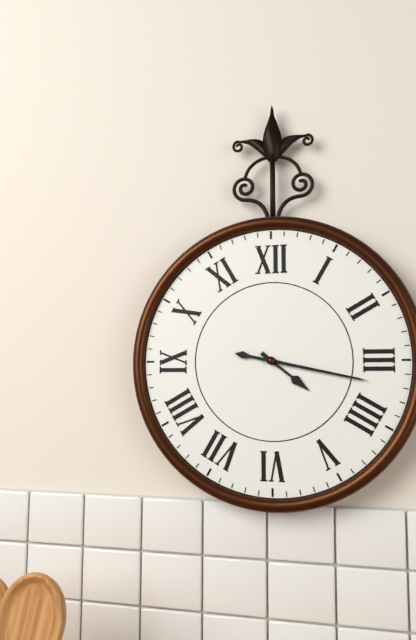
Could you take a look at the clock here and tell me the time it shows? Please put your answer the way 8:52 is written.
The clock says 4:17
